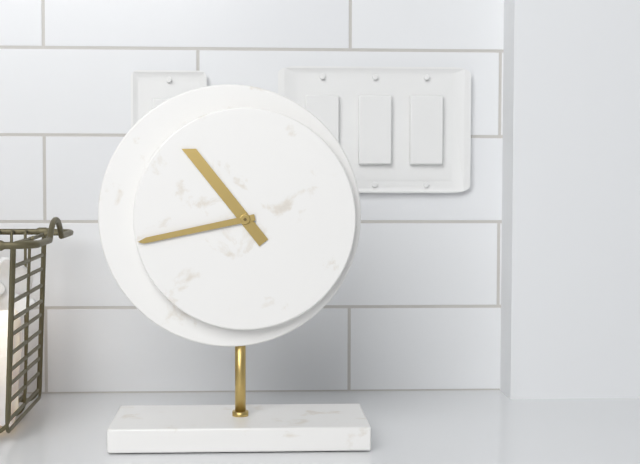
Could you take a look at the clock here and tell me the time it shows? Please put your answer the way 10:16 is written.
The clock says 10:43
